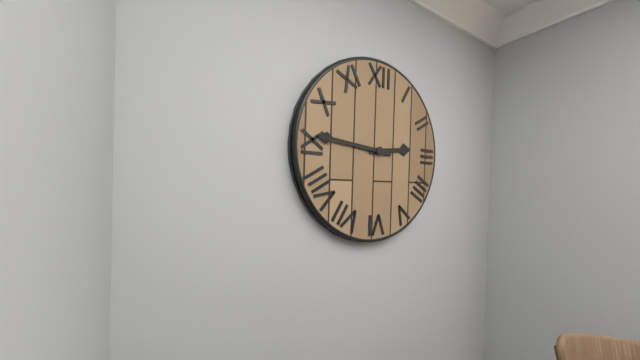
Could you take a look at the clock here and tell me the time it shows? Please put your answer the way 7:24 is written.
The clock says 2:46
